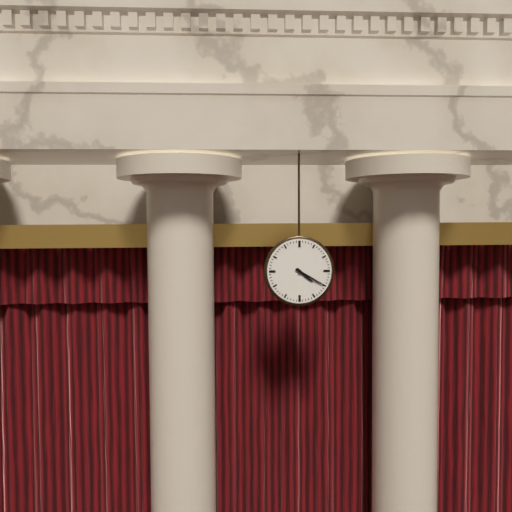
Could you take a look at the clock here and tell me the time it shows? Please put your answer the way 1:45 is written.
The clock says 4:20
